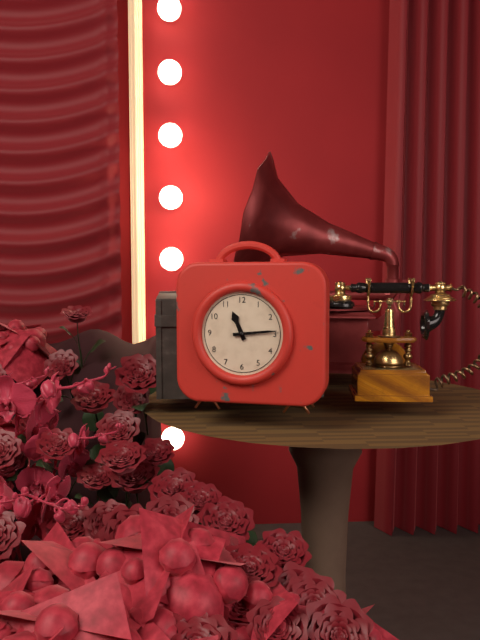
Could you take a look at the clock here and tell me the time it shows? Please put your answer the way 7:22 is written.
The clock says 11:14
